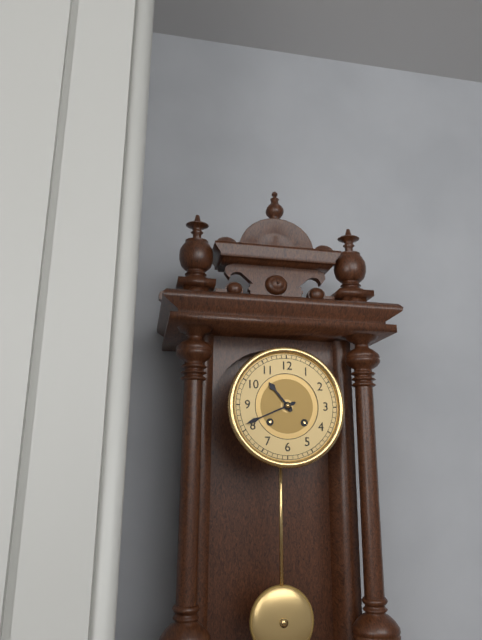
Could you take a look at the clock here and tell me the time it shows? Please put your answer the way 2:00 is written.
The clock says 10:41
